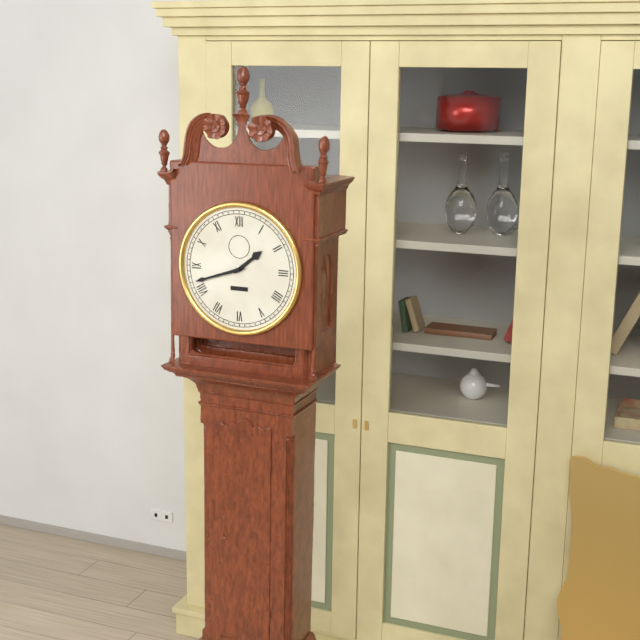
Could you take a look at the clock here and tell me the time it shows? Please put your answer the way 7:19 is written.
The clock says 1:42
